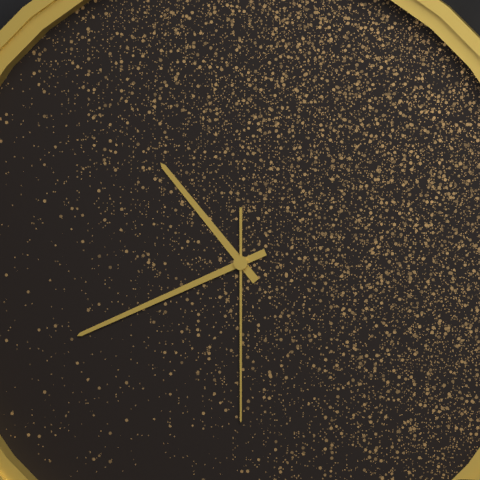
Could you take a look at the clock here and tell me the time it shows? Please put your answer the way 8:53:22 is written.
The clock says 10:41:30
